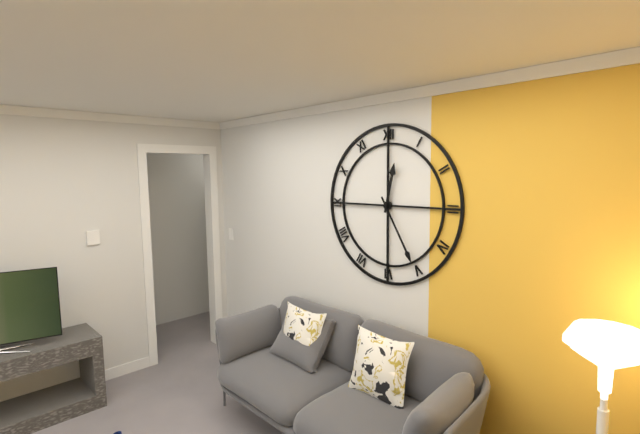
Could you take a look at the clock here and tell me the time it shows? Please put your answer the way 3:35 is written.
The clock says 12:25
